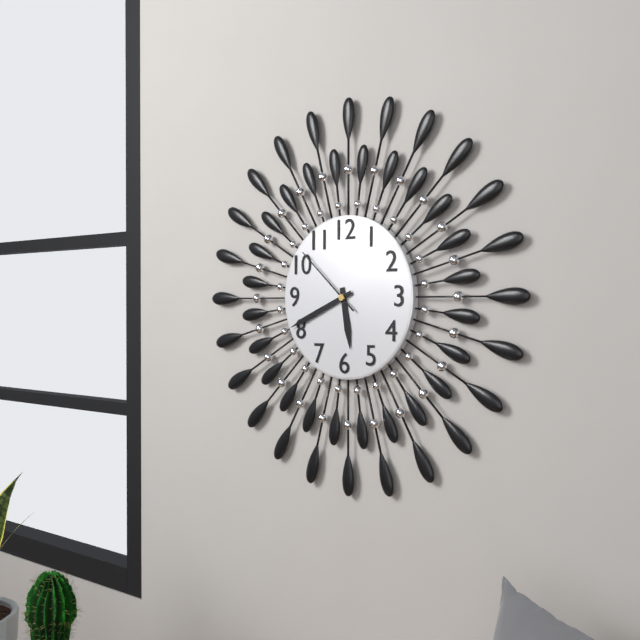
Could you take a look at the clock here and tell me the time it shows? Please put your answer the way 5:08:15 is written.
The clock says 5:41:52
